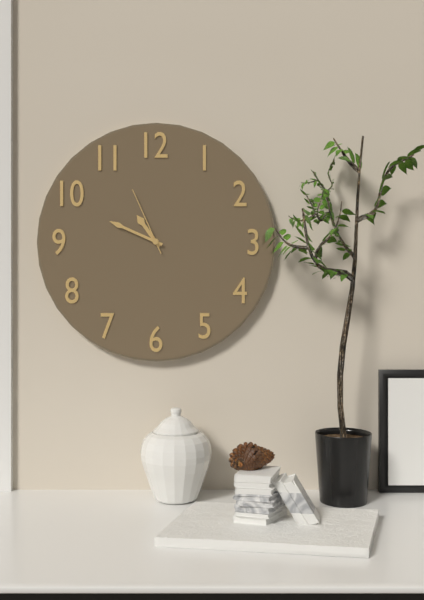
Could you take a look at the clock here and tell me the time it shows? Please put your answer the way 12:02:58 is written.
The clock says 10:49:56
